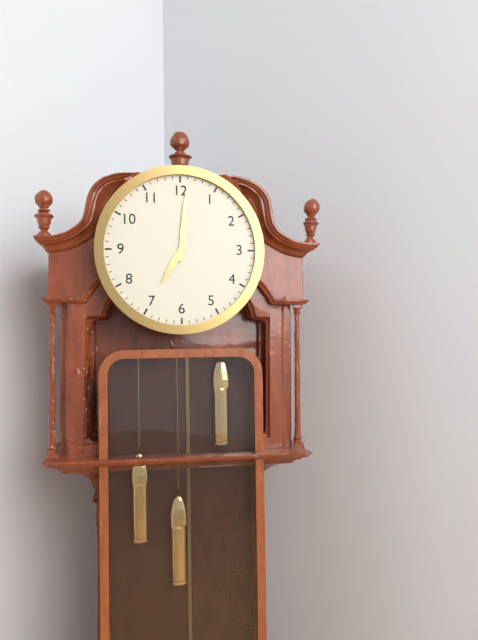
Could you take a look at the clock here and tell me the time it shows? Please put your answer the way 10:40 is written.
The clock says 7:01
